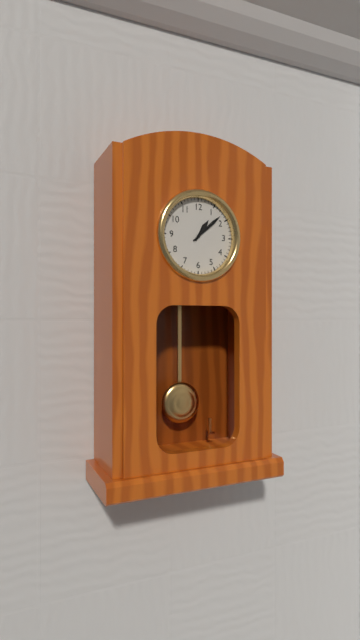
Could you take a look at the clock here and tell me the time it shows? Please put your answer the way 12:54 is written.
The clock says 1:08
